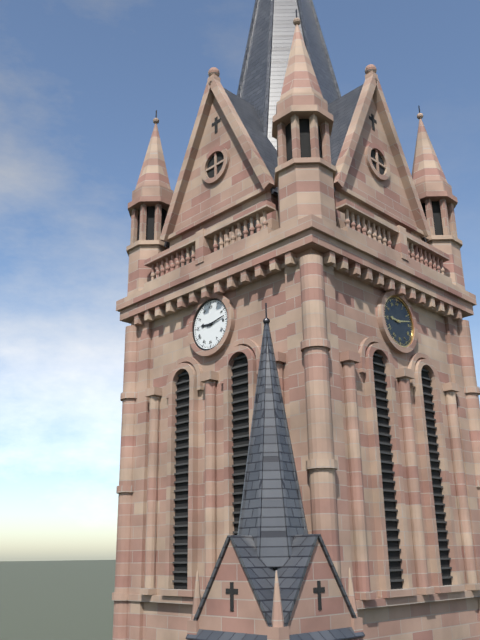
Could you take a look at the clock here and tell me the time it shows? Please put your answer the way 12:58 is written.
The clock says 9:13
